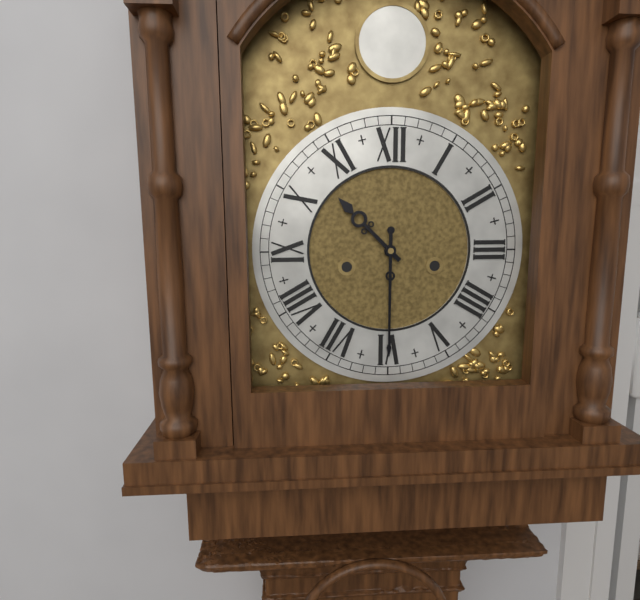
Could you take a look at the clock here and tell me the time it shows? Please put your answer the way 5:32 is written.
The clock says 10:30
